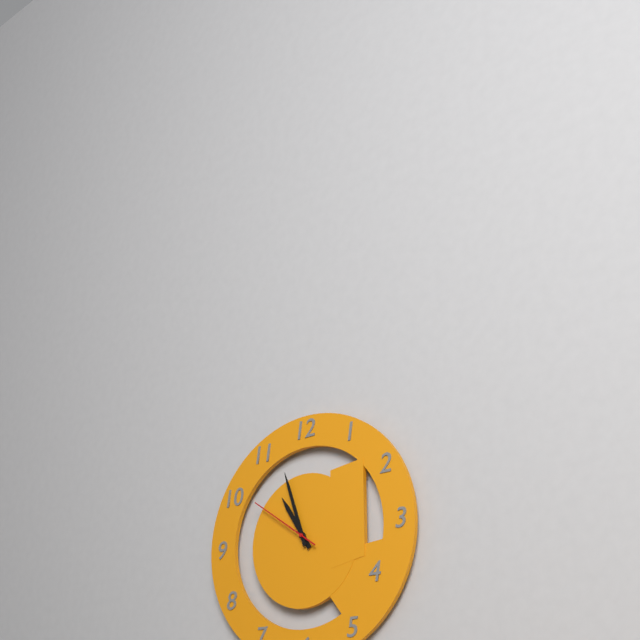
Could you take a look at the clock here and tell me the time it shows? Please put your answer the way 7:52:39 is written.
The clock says 10:57:51
